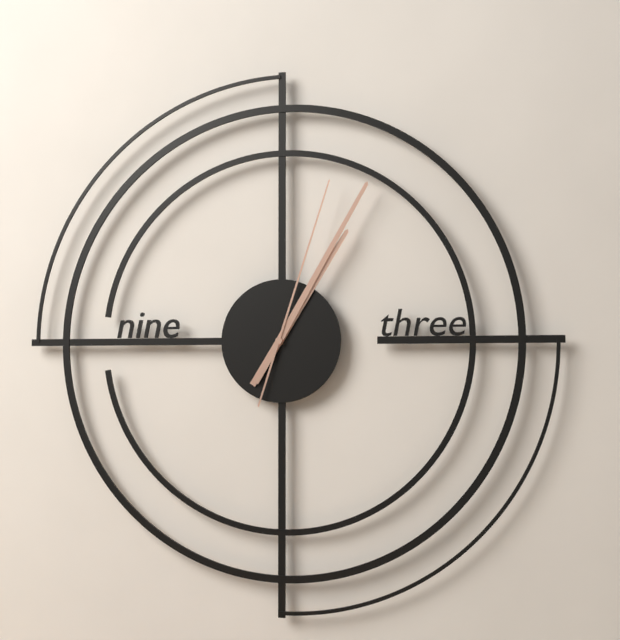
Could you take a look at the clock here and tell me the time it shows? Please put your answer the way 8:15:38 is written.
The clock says 1:05:03
